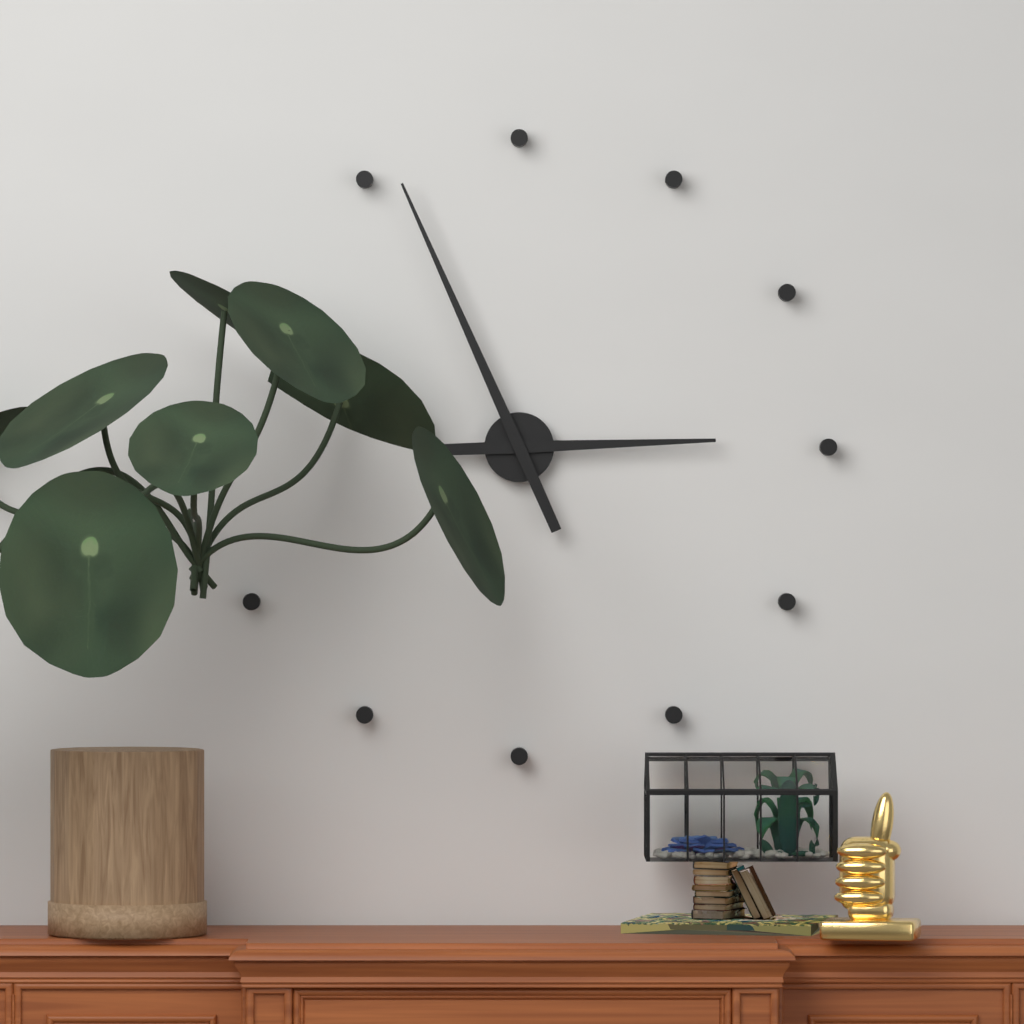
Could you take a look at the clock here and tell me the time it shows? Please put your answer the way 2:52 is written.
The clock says 2:56
